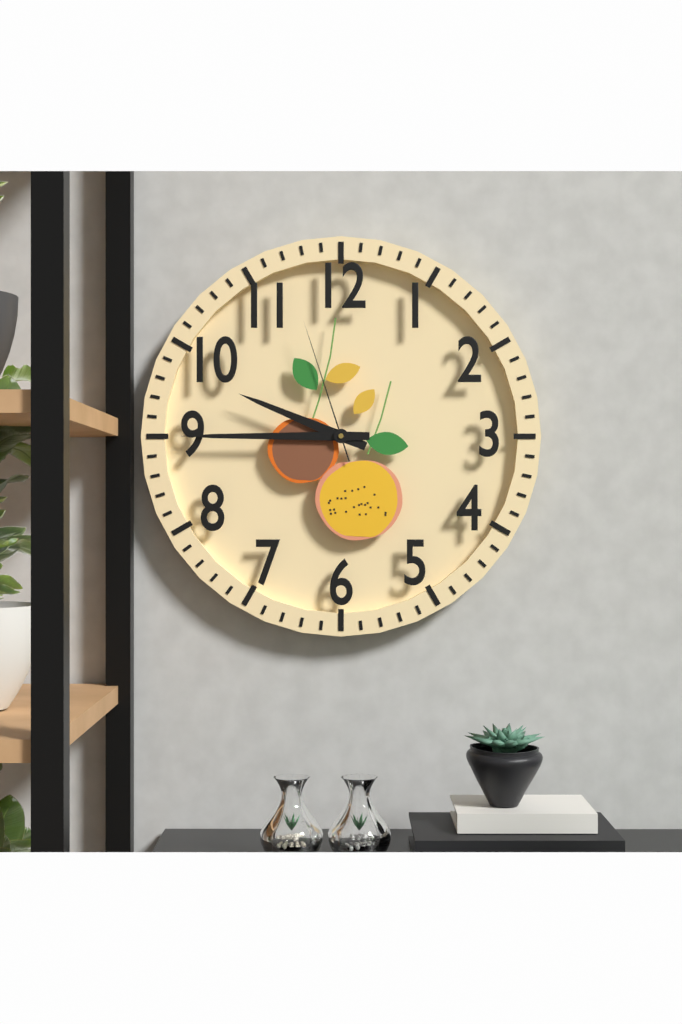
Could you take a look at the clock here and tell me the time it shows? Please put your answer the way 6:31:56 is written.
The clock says 9:45:57
